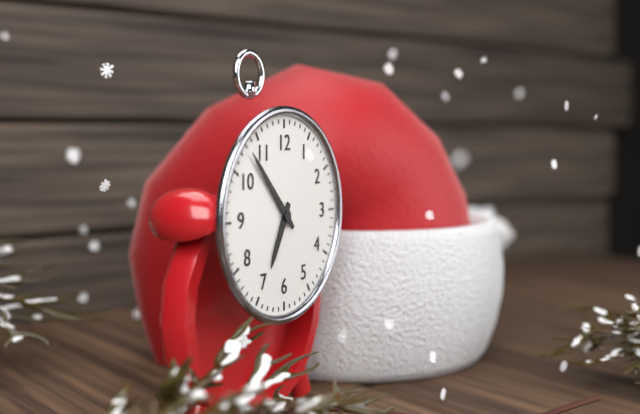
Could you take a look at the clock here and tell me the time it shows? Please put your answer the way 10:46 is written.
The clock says 6:53
